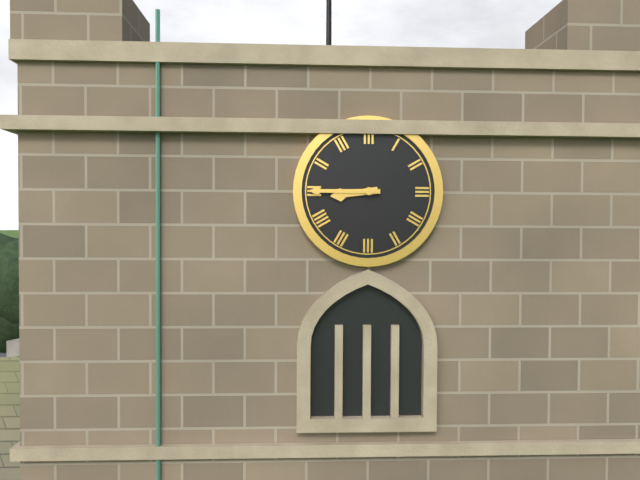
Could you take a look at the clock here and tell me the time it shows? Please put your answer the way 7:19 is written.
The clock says 8:45
